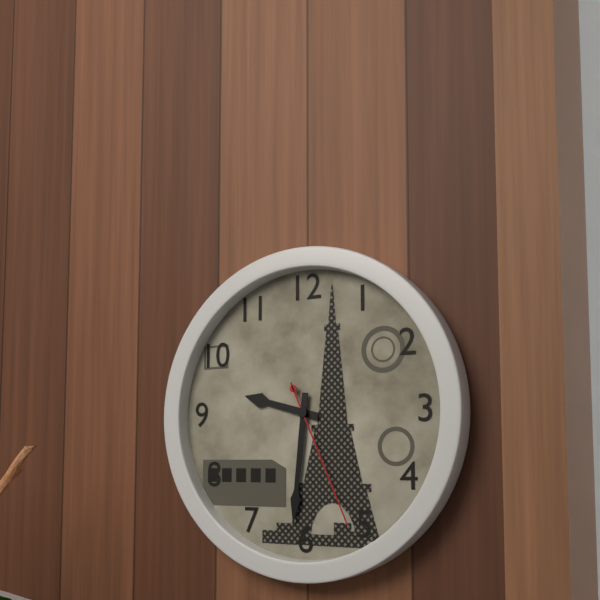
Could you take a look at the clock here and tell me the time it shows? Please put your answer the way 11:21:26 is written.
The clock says 9:31:26
